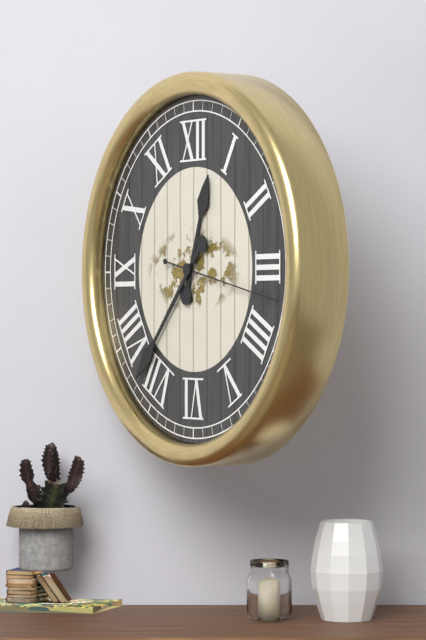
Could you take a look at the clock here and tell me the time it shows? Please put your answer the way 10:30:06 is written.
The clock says 12:37:17
